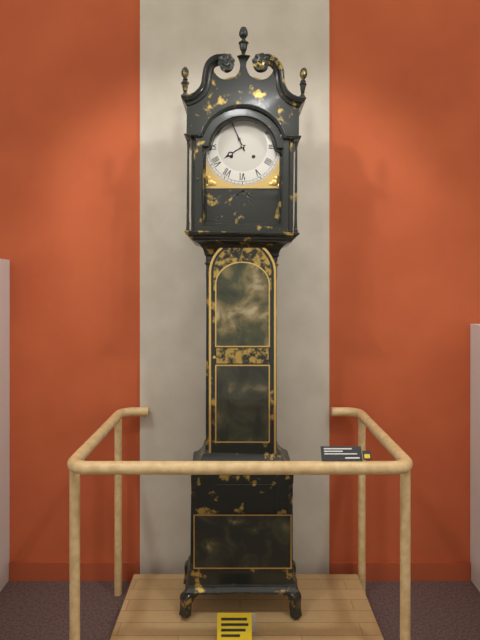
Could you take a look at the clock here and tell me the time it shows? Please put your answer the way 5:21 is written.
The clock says 7:56
